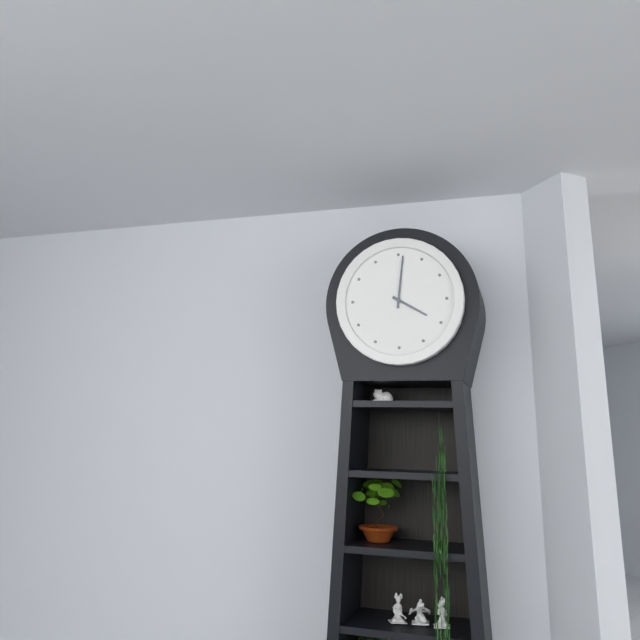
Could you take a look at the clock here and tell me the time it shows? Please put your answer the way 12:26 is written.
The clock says 4:01
